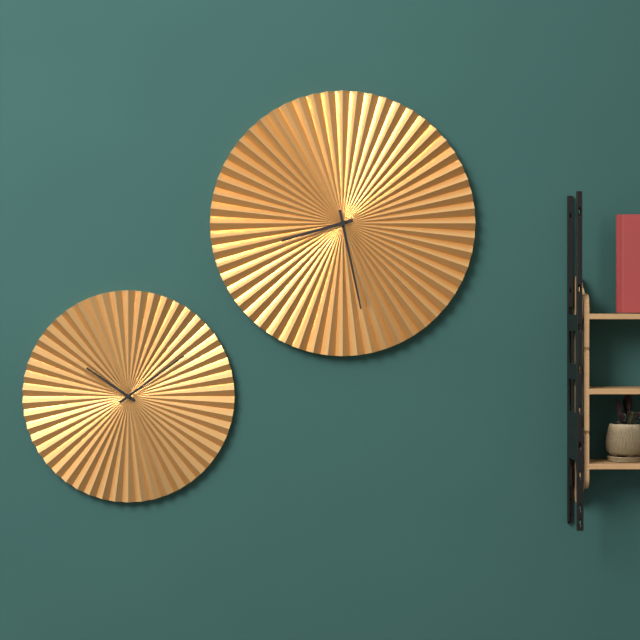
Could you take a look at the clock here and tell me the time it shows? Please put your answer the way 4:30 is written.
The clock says 8:28
